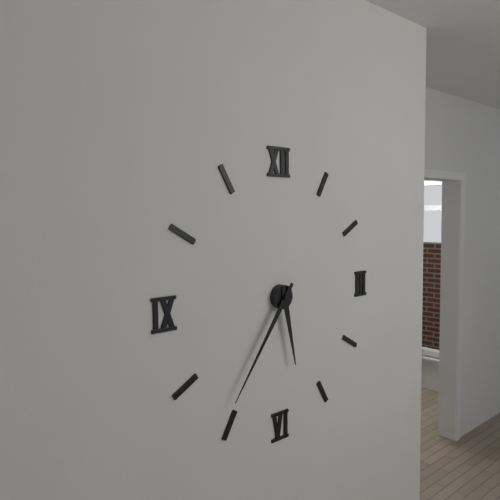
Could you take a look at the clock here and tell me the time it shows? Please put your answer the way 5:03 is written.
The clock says 5:36
